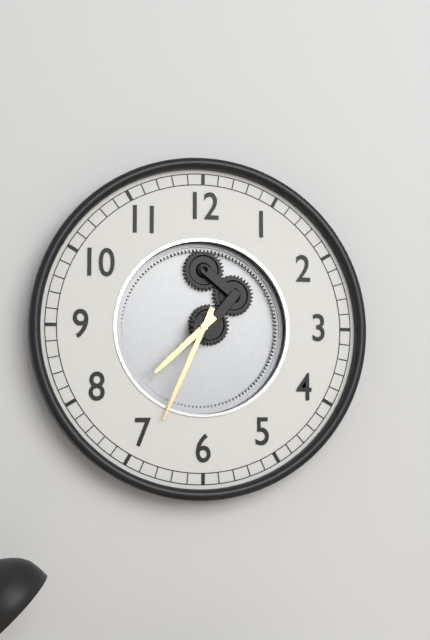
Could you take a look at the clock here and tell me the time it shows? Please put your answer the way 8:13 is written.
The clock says 7:34
